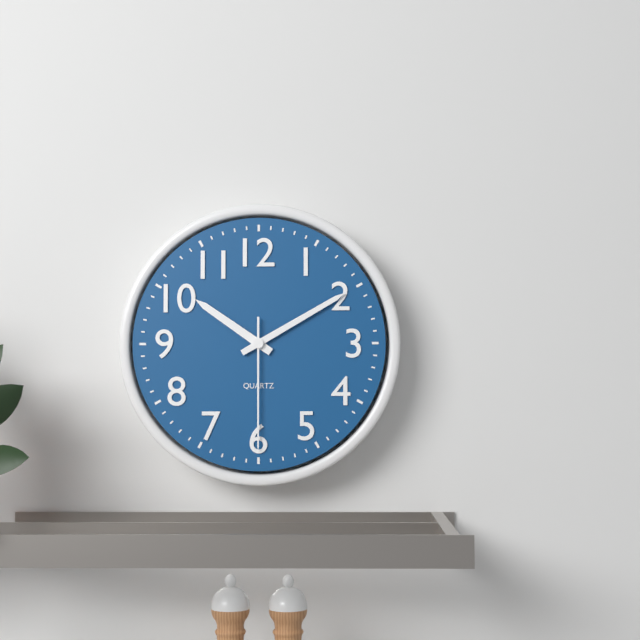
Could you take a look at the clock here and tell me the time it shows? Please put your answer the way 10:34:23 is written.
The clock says 10:10:30
